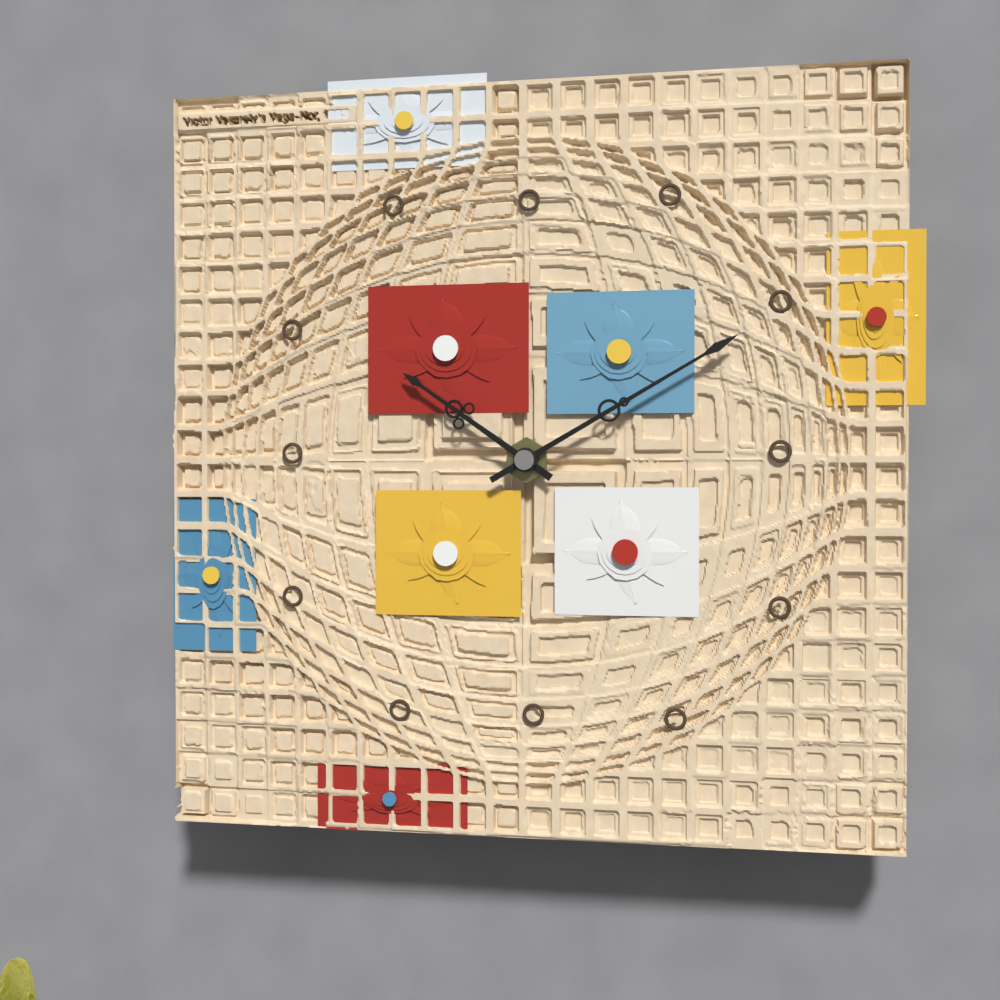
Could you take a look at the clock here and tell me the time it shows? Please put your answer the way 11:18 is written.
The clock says 10:10
